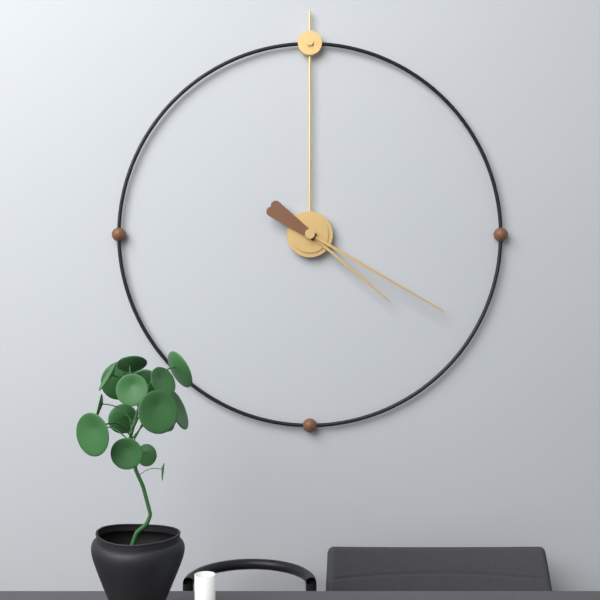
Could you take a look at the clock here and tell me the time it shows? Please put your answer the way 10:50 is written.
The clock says 4:20
